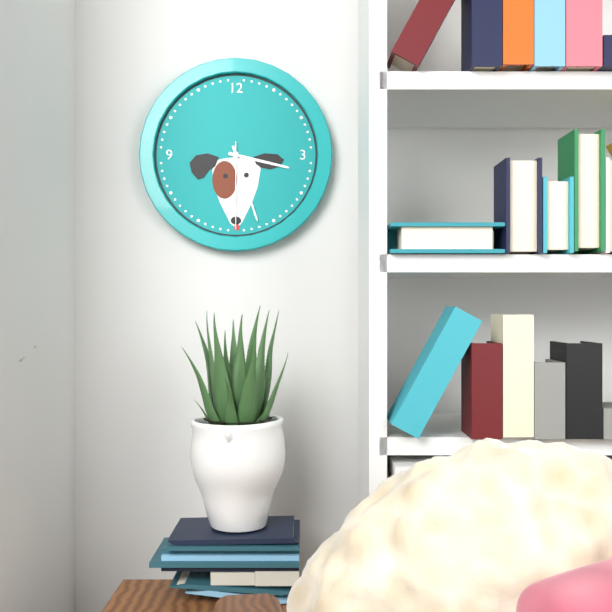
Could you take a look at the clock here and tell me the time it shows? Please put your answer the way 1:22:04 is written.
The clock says 3:27:30
